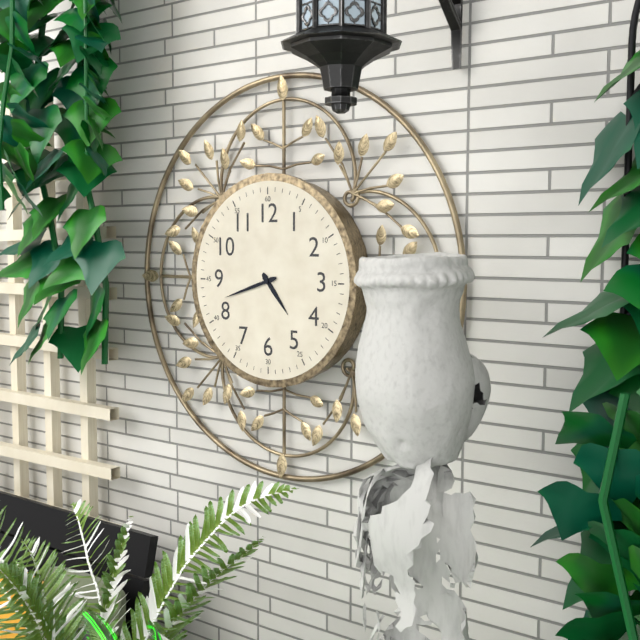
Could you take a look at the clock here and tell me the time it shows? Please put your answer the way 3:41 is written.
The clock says 4:42
